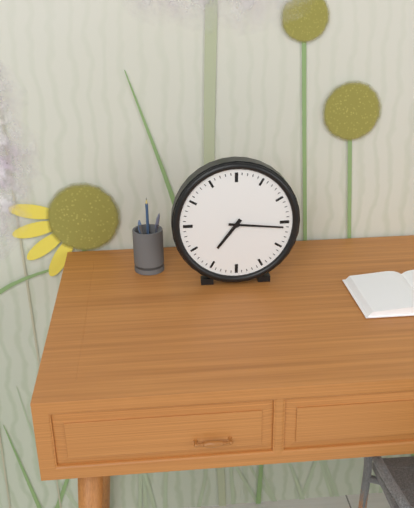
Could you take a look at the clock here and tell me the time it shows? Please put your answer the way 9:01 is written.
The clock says 7:16
